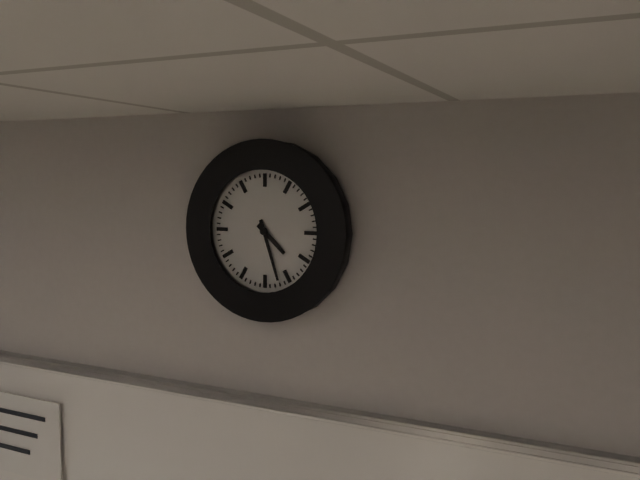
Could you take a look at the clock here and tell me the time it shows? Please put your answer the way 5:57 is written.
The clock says 4:27
